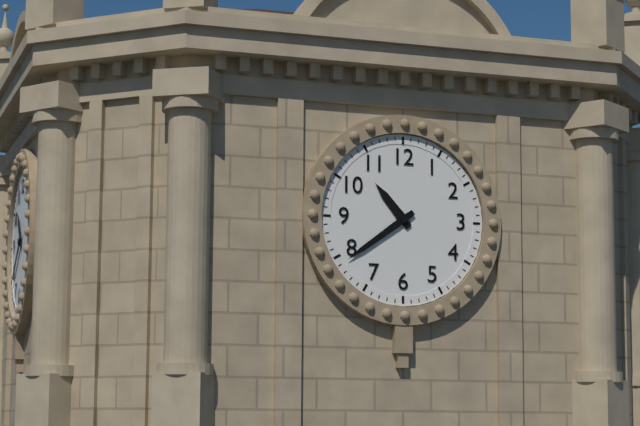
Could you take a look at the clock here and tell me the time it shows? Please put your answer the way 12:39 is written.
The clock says 10:39
